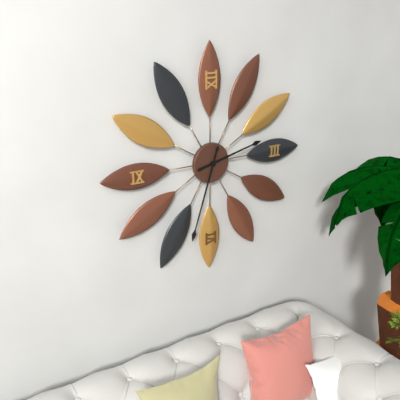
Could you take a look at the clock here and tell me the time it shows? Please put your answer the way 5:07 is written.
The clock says 2:33
